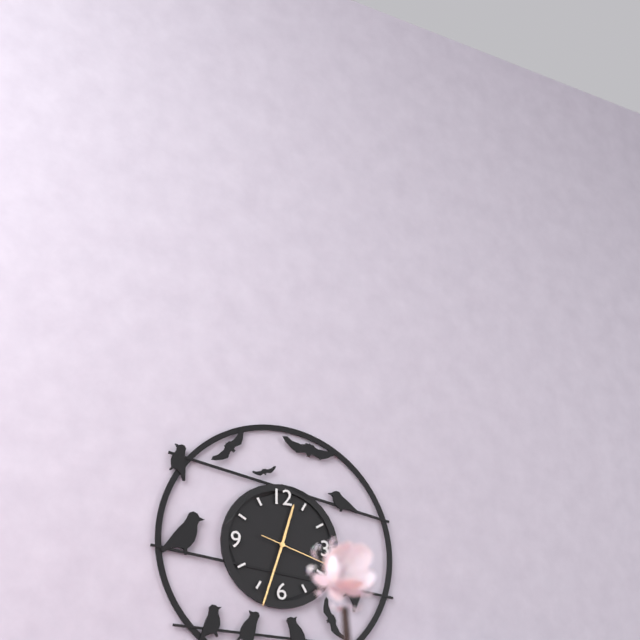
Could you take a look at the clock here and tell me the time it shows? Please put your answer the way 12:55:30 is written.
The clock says 12:33:18
